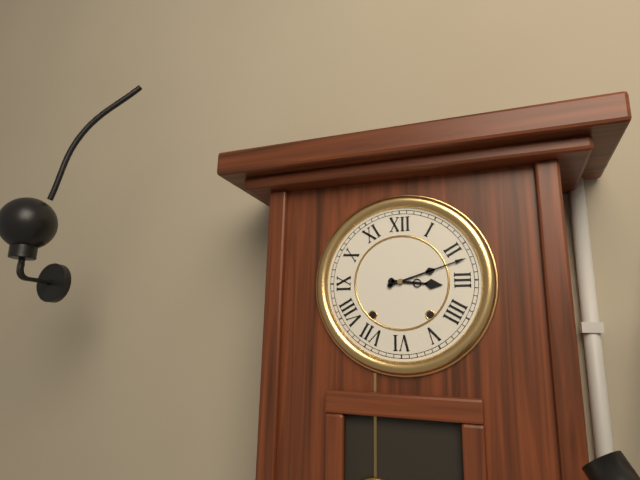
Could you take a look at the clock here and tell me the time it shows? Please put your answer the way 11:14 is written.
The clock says 3:12
